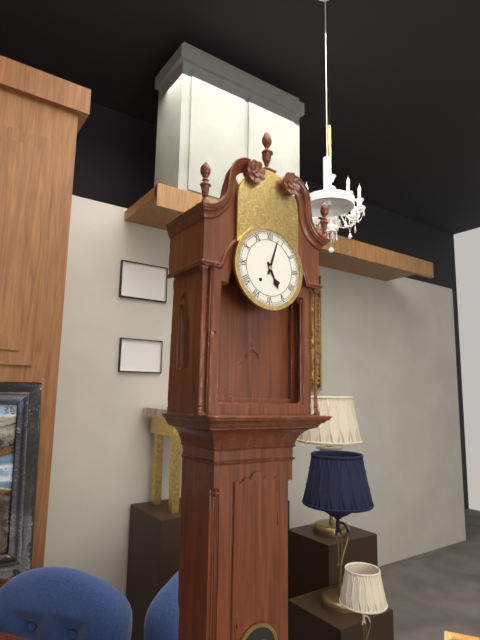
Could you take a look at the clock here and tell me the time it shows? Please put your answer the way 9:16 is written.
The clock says 5:03
